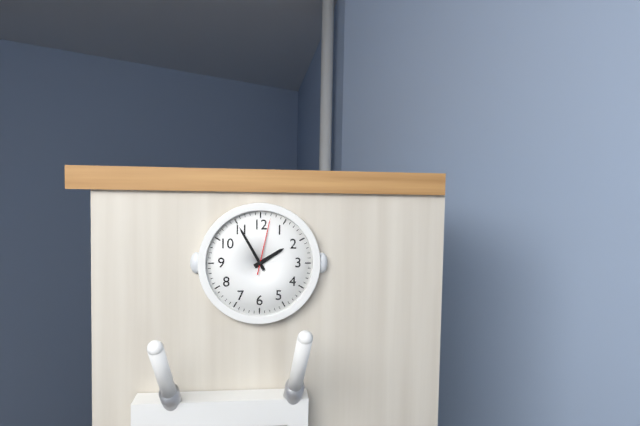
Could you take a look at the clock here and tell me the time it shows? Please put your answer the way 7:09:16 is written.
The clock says 1:55:02
